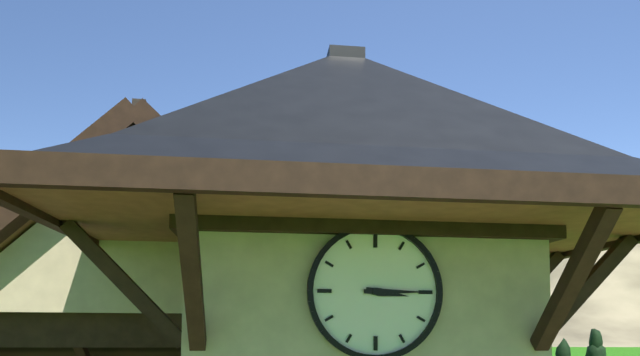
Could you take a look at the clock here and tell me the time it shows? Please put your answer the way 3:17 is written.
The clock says 3:15
